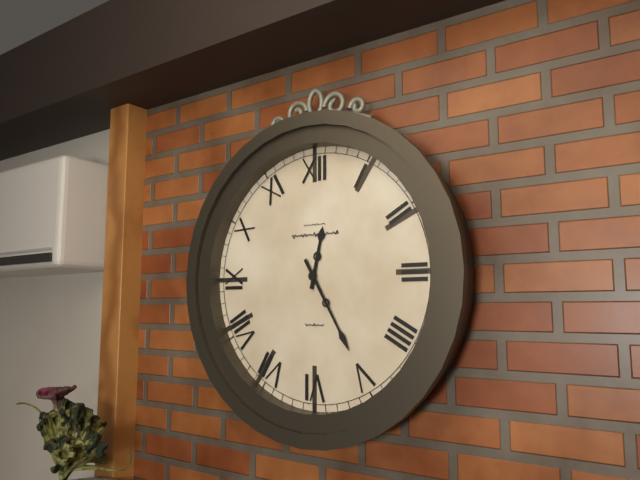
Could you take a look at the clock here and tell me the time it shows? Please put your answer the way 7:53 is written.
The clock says 12:25
